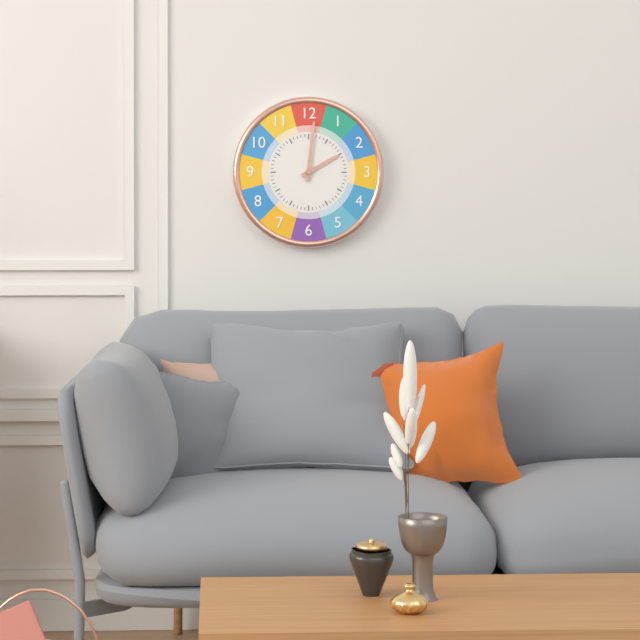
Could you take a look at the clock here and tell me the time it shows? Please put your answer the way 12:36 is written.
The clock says 2:01
